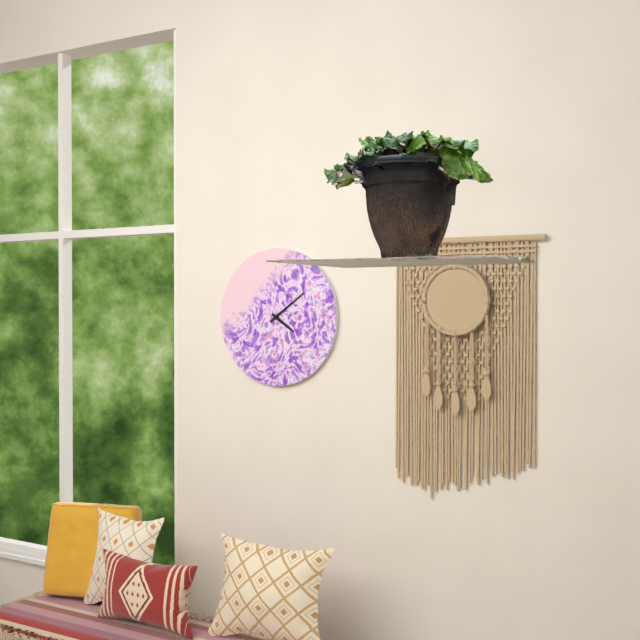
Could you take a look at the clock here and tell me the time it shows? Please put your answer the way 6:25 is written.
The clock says 4:09
